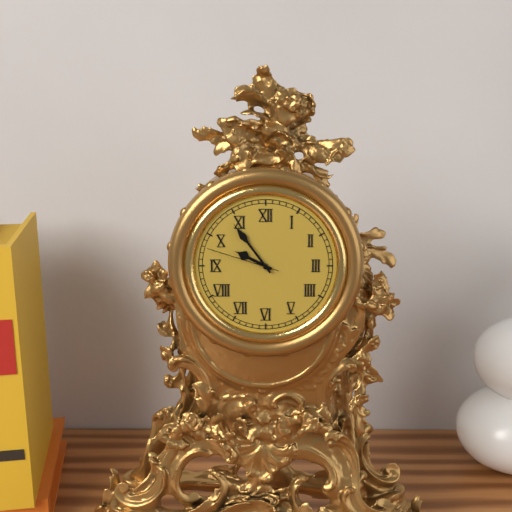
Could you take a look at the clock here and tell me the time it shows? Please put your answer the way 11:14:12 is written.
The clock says 9:54:48
